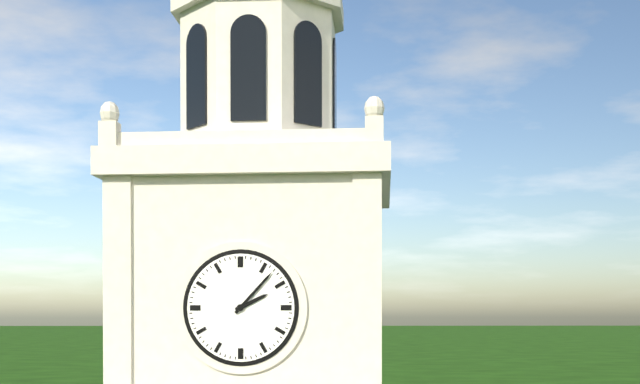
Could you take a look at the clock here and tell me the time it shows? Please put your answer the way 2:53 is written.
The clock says 2:07
